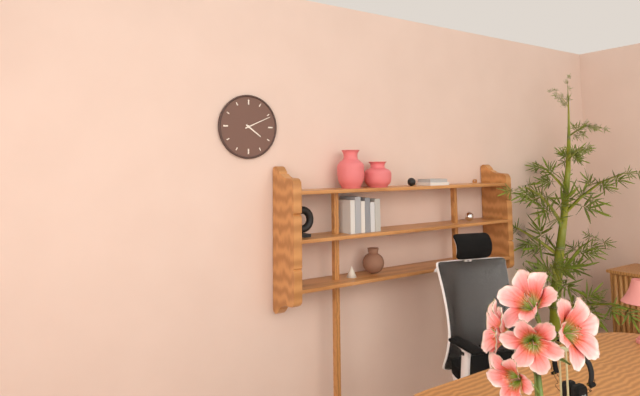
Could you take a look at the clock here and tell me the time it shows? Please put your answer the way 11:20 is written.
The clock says 4:11
